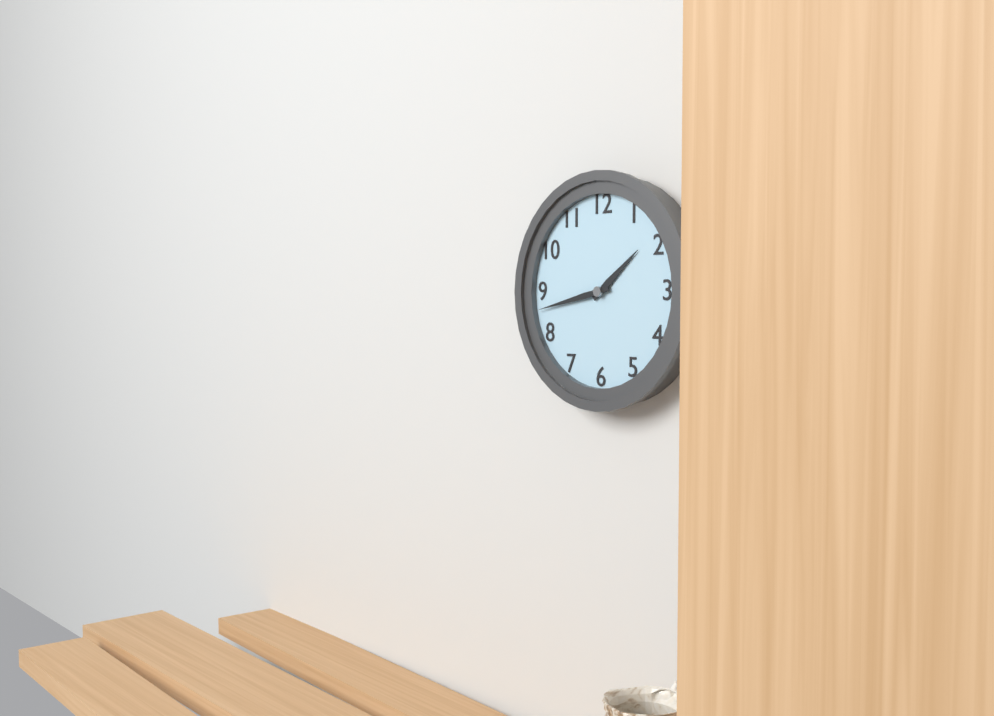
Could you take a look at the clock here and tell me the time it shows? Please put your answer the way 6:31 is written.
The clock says 1:43
